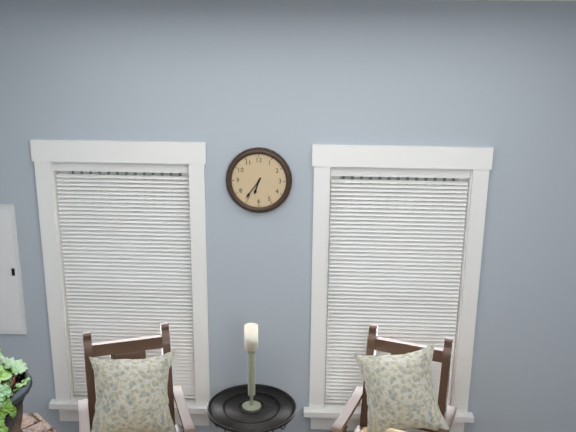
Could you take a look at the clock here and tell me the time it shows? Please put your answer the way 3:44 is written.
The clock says 6:36
